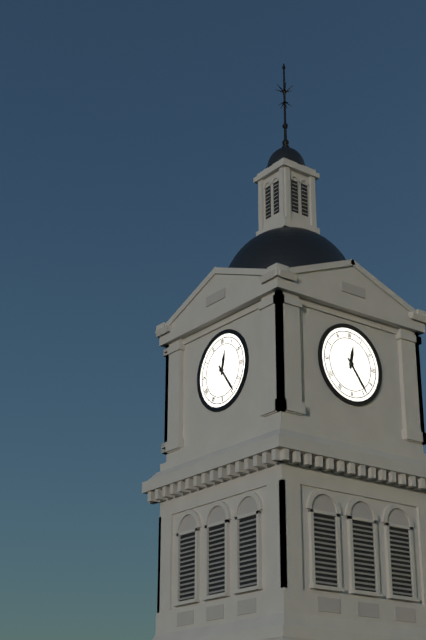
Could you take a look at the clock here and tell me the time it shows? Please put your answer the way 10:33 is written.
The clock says 12:24
